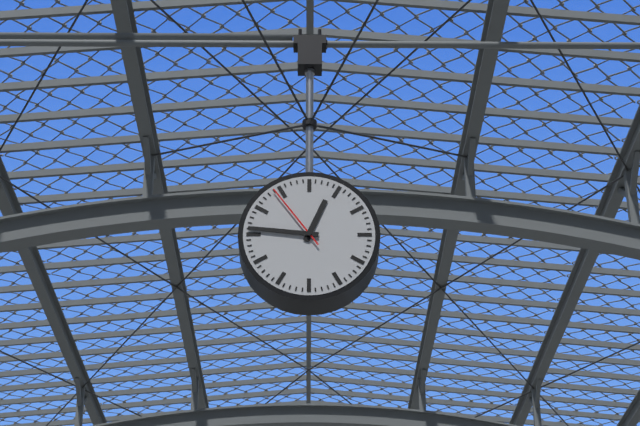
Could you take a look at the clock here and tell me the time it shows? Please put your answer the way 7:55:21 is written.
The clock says 12:46:54
